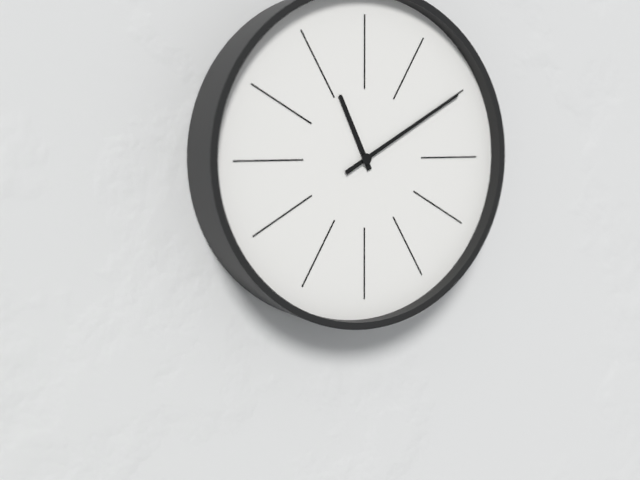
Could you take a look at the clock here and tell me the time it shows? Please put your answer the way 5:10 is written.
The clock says 11:10
